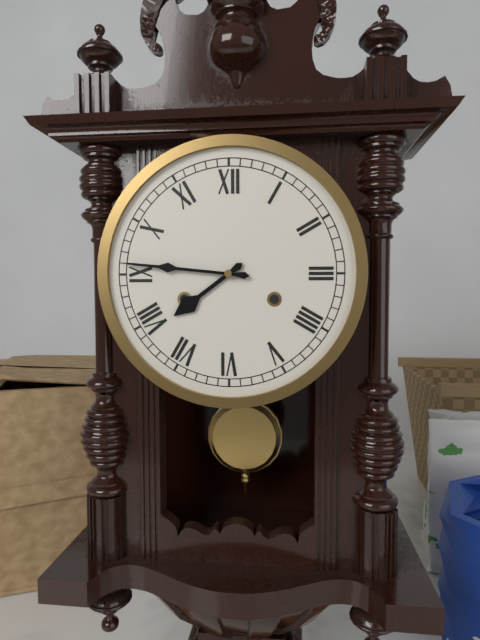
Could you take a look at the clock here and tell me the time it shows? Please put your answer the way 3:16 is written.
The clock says 7:46
